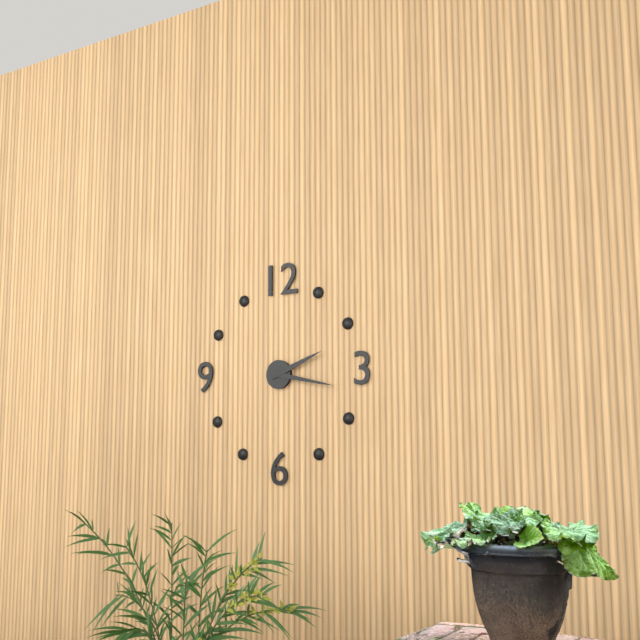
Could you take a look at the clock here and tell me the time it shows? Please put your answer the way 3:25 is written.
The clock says 2:17
